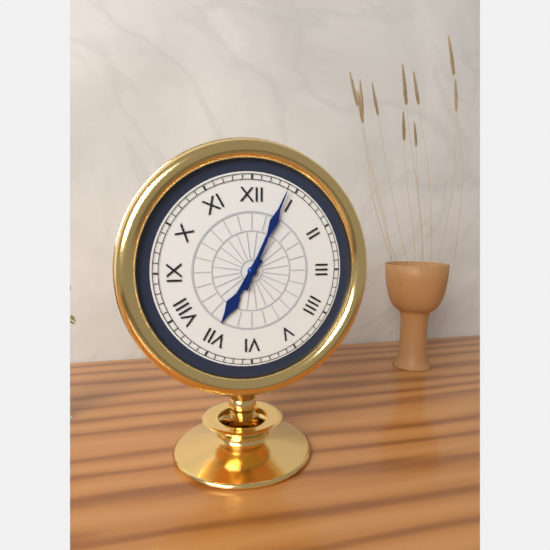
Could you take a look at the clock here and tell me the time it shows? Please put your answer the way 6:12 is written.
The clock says 7:04
